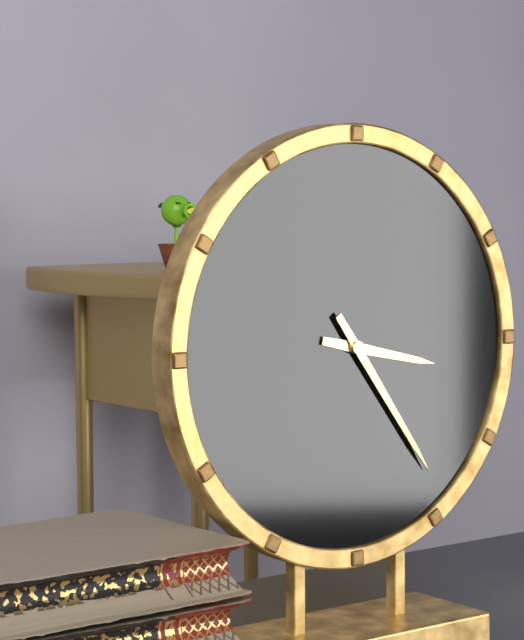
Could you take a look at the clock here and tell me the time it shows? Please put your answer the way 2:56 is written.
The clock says 3:24
